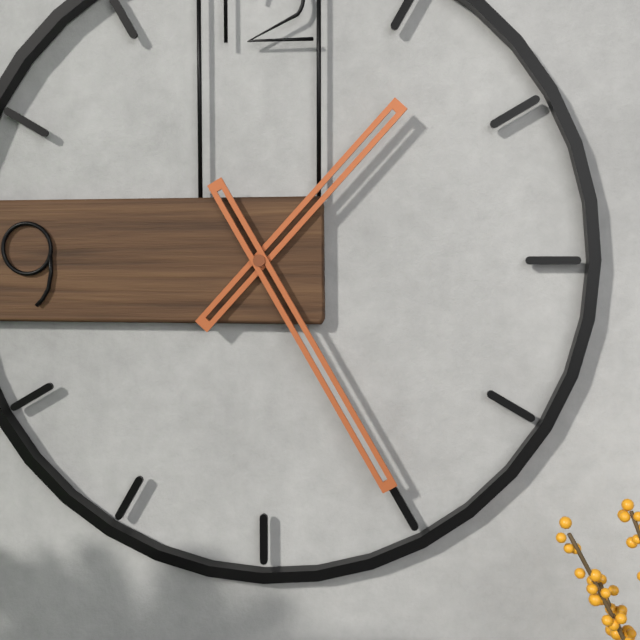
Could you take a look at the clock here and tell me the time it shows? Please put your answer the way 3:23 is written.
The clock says 1:25
